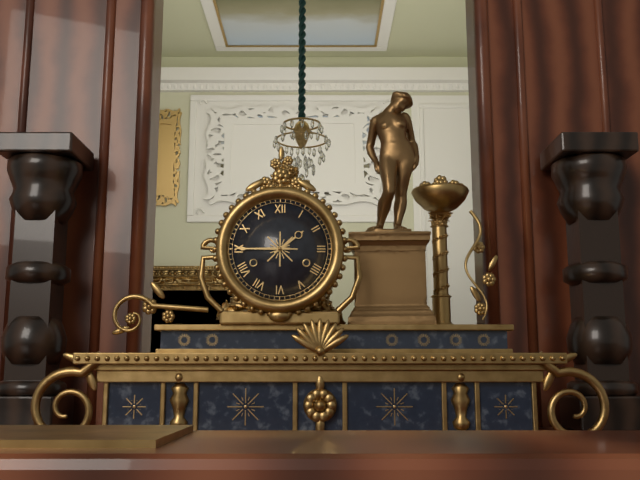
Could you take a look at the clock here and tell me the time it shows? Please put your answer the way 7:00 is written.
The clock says 1:45
